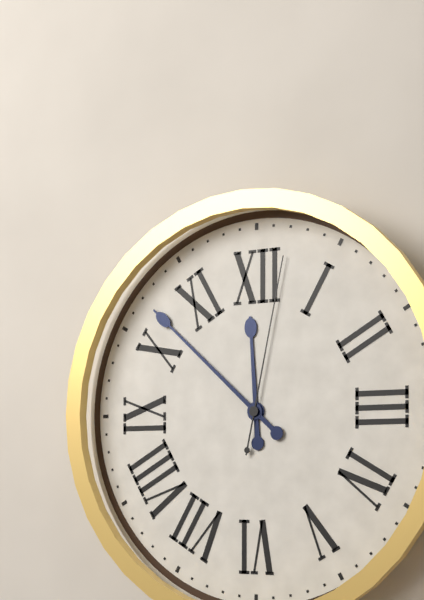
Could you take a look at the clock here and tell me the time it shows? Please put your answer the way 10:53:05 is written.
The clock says 11:52:02
